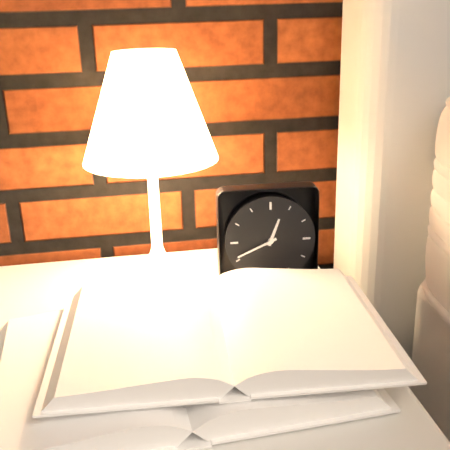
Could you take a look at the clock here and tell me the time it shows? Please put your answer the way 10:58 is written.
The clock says 12:41
